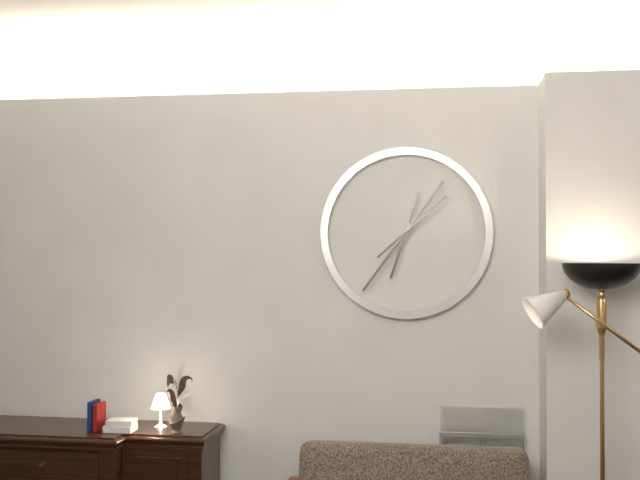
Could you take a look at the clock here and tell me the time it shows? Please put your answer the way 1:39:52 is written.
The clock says 6:36:08
